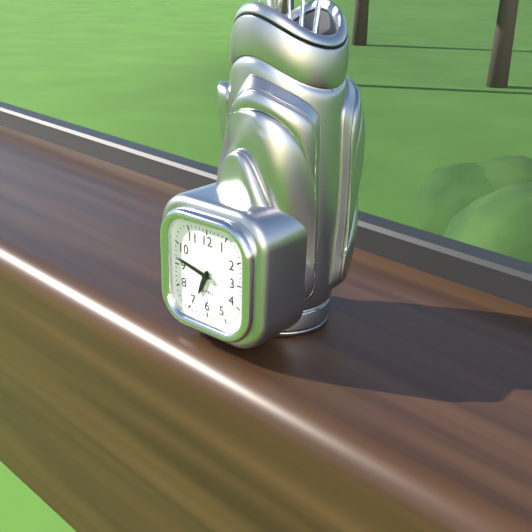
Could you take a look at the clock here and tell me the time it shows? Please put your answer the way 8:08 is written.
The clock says 6:47
